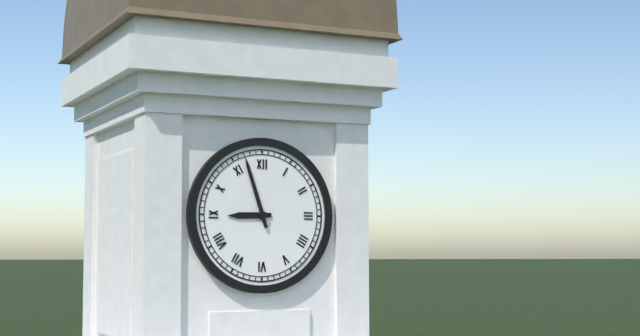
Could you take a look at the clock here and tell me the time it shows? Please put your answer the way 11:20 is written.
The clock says 8:57
